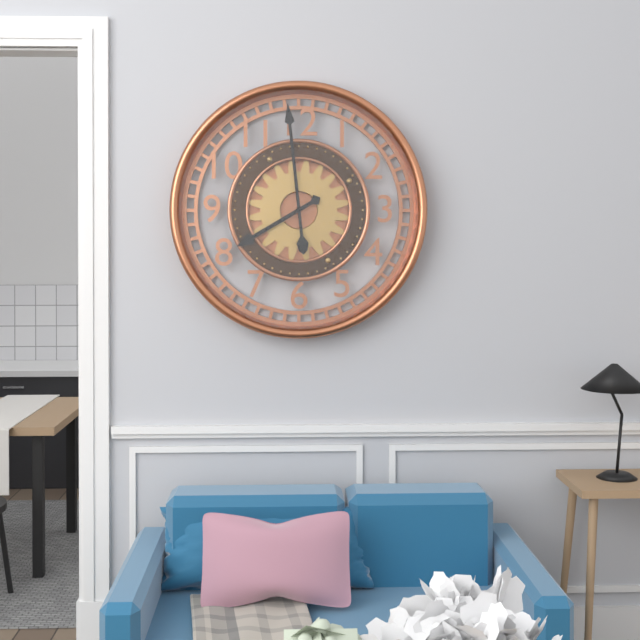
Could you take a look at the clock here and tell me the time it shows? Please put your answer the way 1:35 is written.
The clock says 7:59
